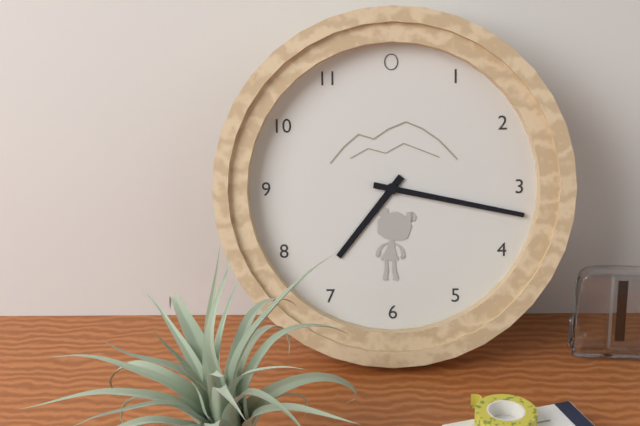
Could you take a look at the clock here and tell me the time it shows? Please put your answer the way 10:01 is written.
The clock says 7:17
